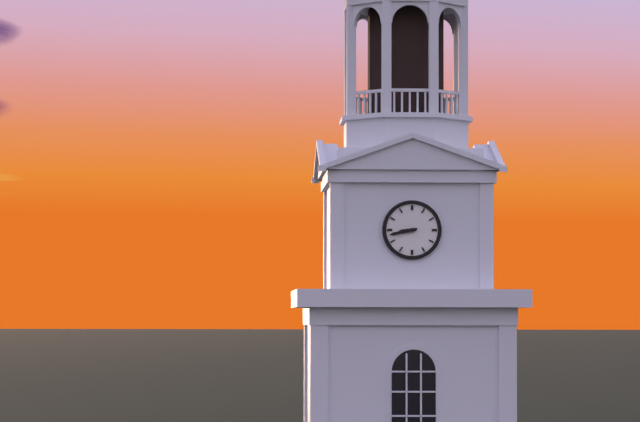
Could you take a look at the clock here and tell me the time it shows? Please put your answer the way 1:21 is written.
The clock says 8:43
